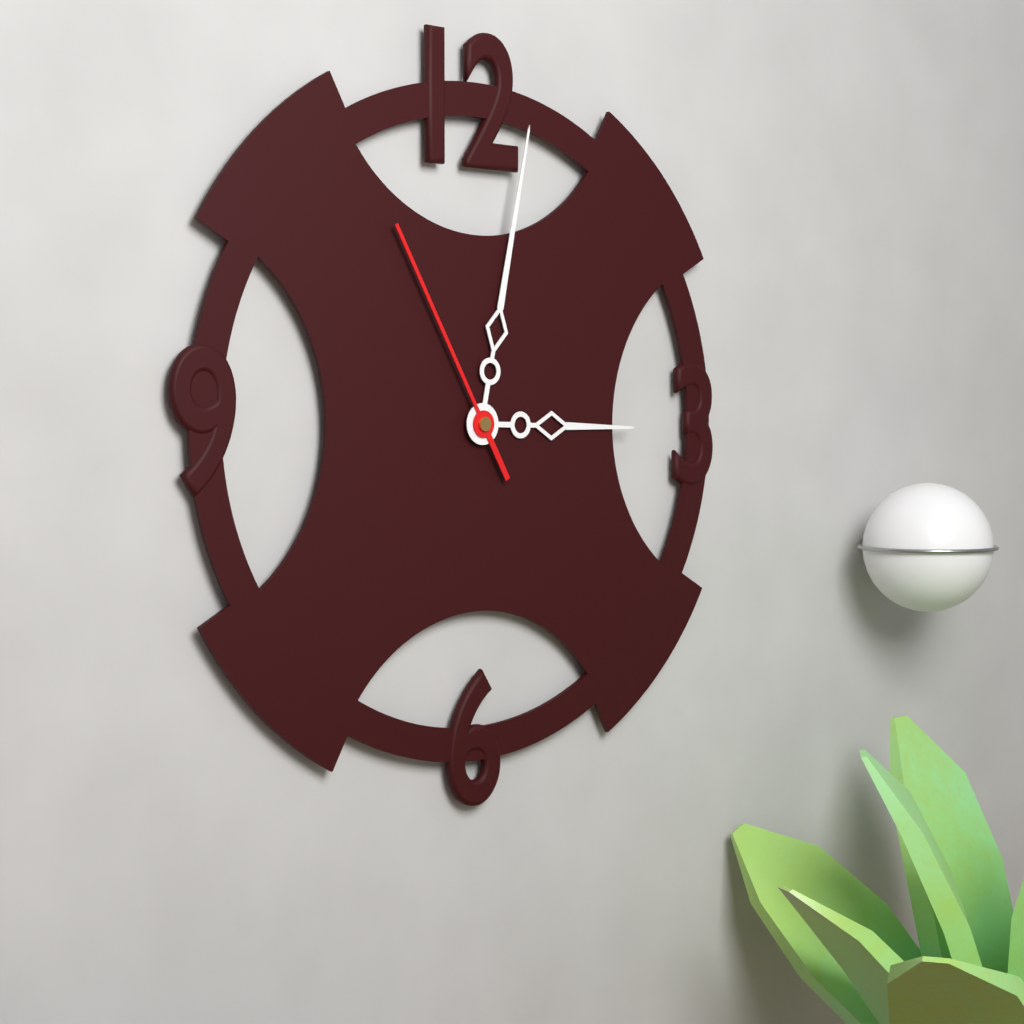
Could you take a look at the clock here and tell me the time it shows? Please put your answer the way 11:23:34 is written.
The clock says 3:02:55
